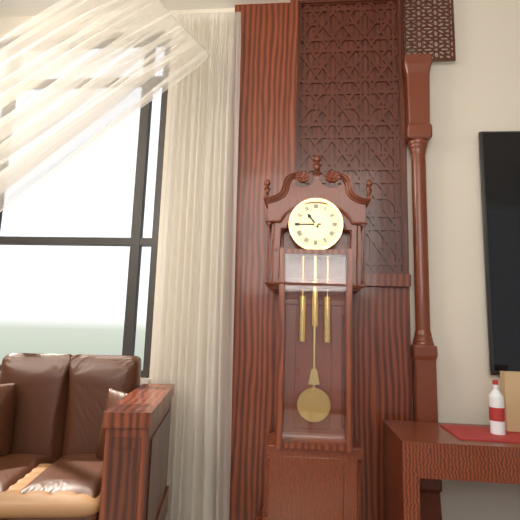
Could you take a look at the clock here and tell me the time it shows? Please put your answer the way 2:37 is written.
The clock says 10:45
